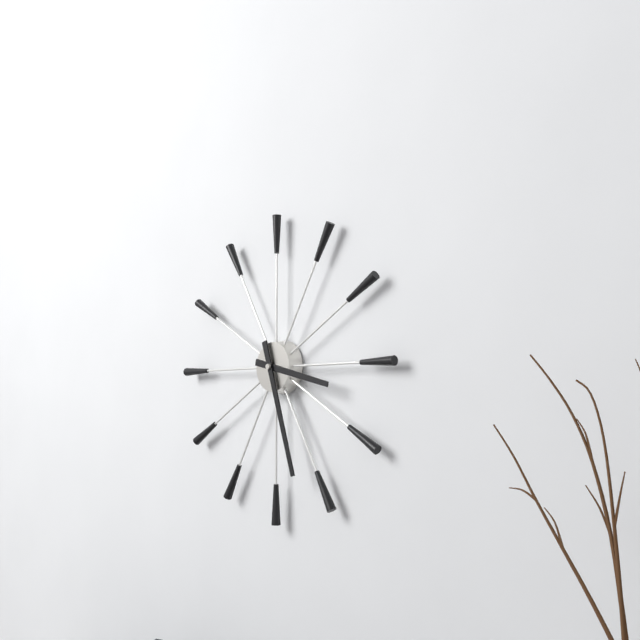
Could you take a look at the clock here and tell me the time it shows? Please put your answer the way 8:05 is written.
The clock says 3:27
